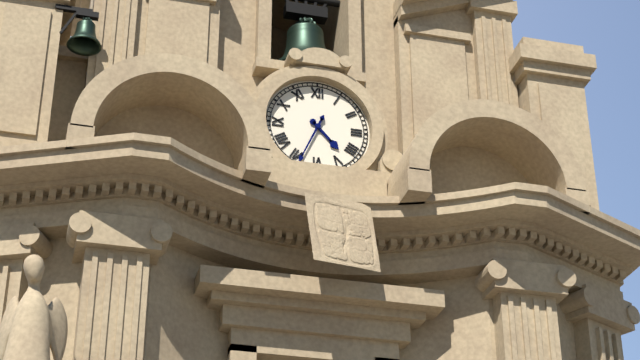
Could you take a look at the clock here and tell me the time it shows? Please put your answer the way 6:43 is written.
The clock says 4:34
